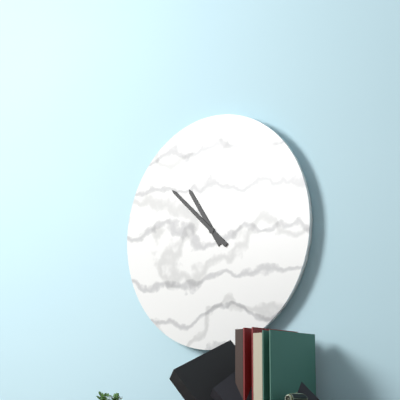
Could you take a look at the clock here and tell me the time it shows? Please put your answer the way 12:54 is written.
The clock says 10:52
